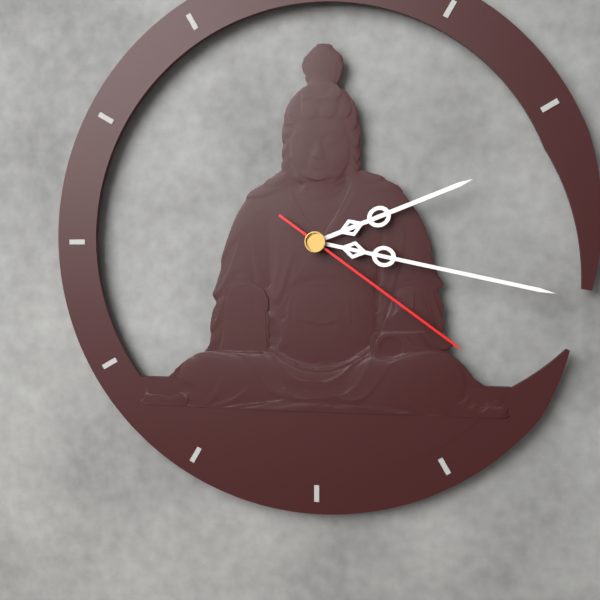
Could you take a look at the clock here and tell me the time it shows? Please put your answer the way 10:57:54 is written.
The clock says 2:17:21
